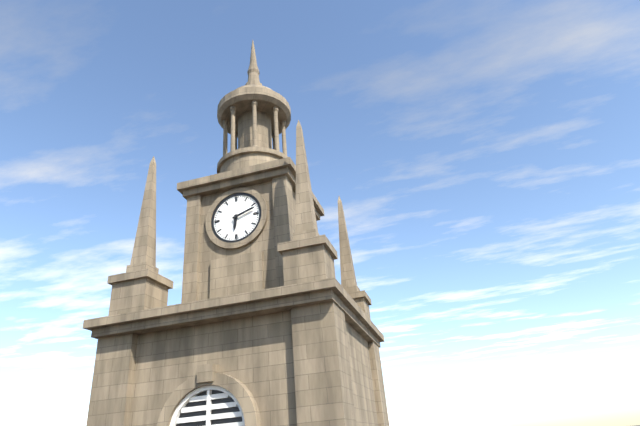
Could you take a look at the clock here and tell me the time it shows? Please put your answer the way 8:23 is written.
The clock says 6:12
